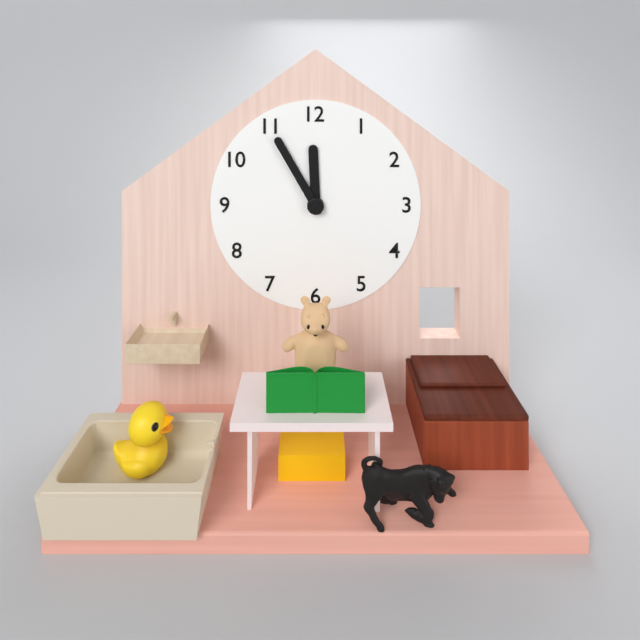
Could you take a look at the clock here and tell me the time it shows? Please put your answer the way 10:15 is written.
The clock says 11:55
